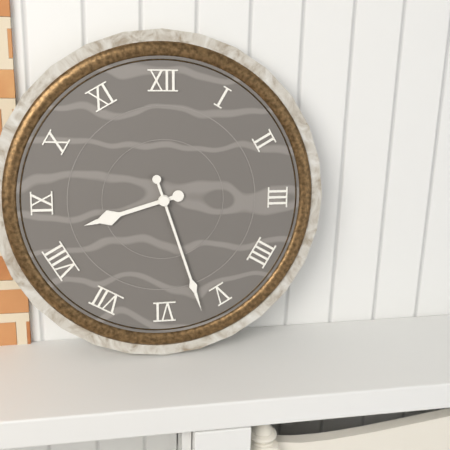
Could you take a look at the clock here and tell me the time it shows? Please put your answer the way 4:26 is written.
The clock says 8:27
